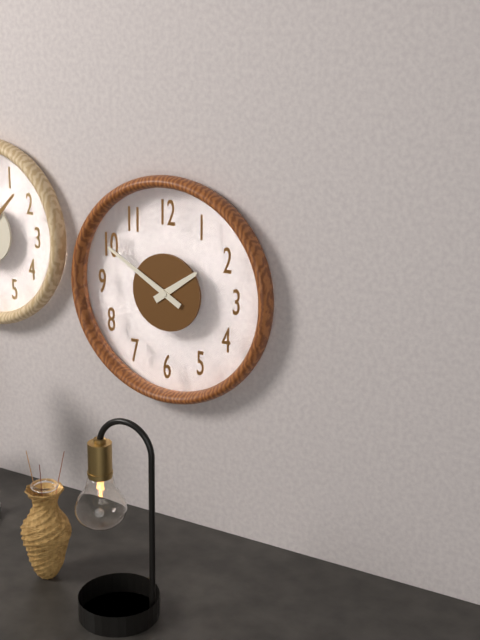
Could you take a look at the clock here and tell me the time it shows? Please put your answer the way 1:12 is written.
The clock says 1:50
